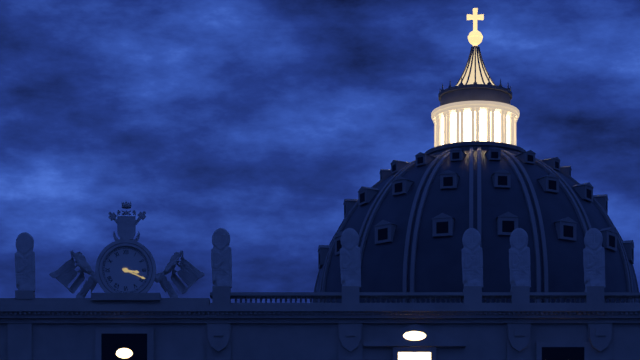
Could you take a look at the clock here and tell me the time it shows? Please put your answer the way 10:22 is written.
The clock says 3:19
